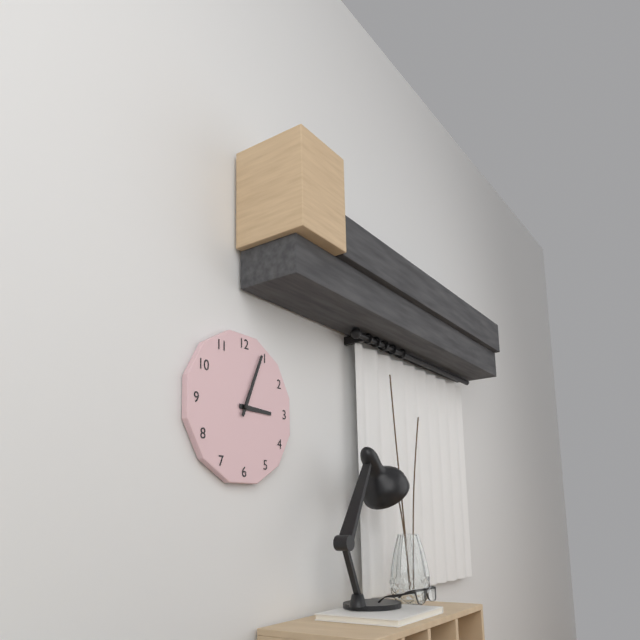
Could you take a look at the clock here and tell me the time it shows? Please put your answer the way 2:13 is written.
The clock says 3:04
